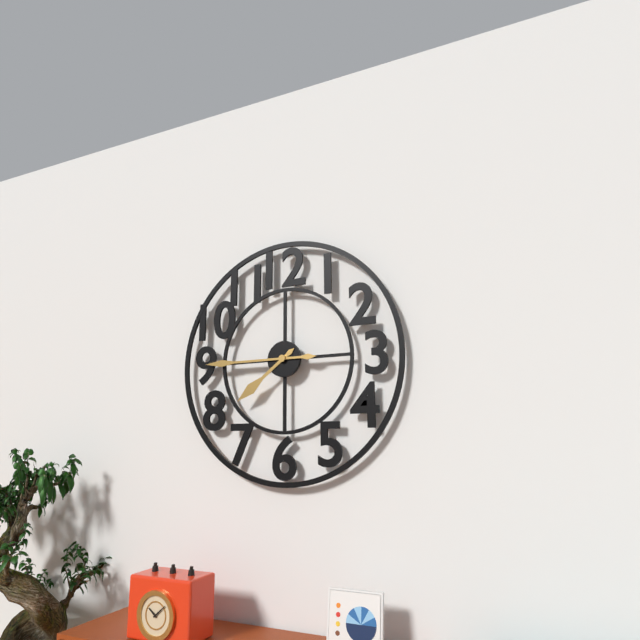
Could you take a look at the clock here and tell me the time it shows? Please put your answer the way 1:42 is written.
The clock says 7:45
